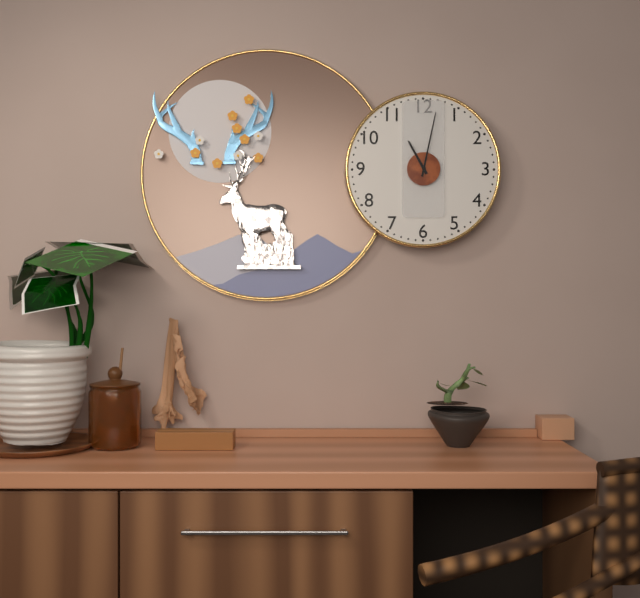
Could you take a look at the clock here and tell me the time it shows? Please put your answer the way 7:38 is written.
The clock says 11:02
